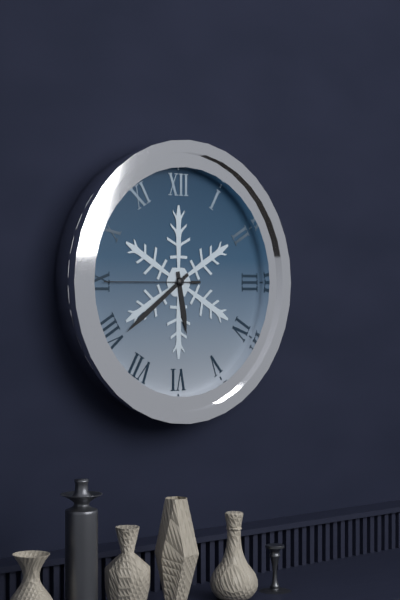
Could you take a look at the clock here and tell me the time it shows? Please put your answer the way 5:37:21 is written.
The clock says 5:39:45
